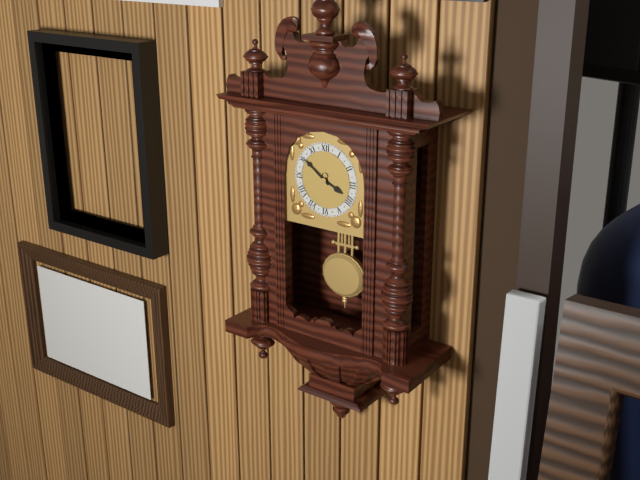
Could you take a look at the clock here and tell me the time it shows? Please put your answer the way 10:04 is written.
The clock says 3:51
